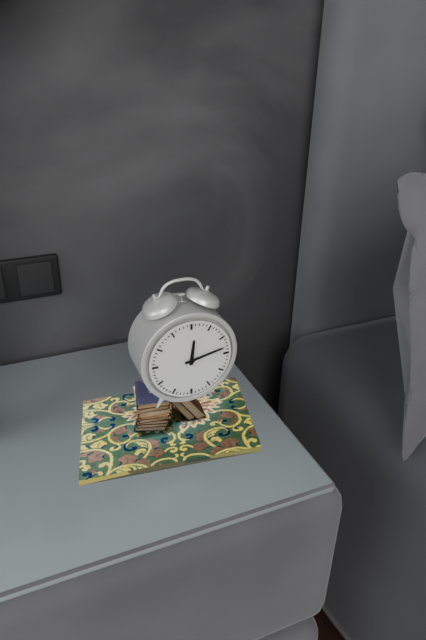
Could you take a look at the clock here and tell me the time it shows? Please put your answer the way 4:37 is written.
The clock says 12:13
